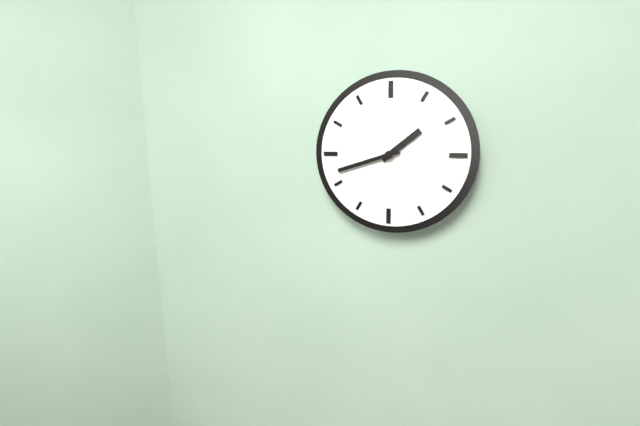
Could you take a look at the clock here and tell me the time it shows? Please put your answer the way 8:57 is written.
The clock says 1:42
